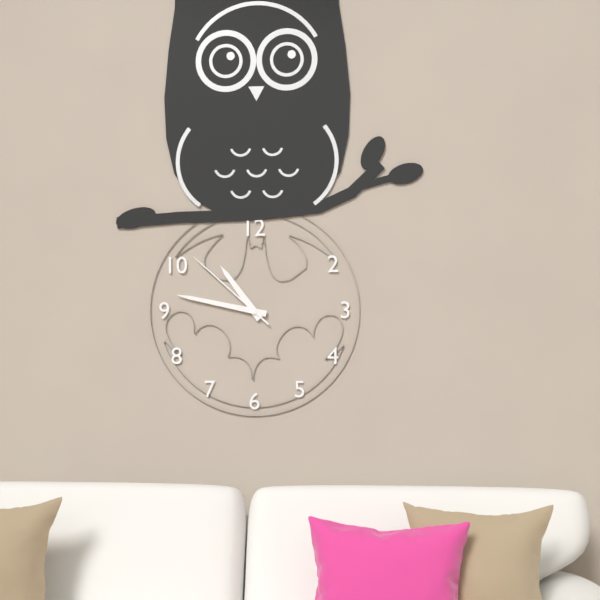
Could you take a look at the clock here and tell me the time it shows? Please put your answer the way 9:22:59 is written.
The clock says 10:47:52
